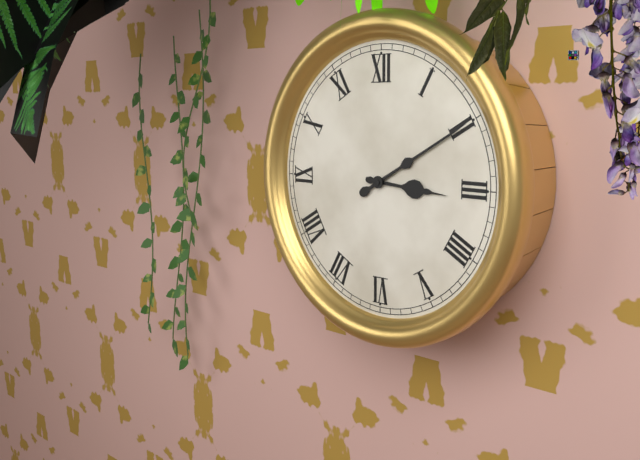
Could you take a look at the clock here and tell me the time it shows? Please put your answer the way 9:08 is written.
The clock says 3:10
